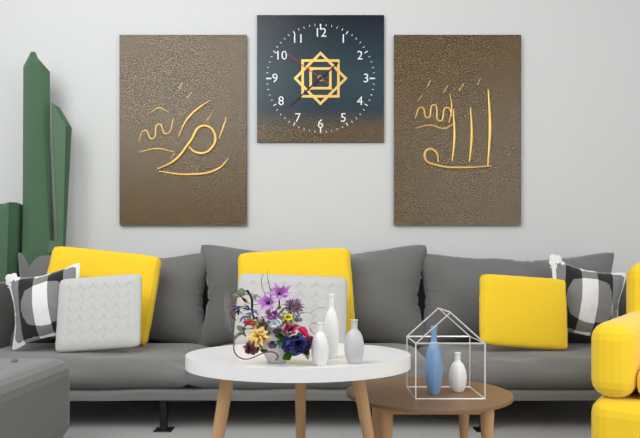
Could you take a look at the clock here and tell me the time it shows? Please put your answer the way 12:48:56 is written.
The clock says 1:38:51
